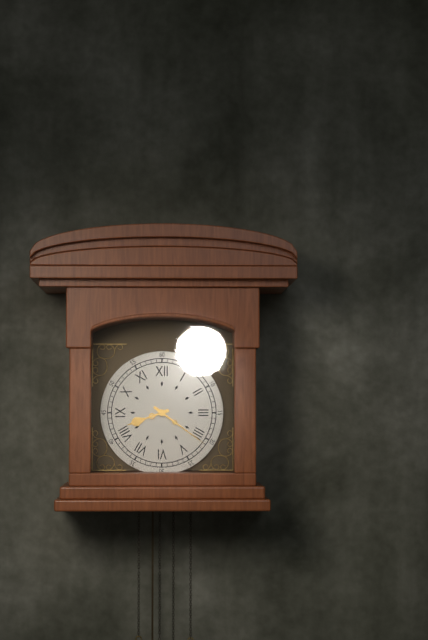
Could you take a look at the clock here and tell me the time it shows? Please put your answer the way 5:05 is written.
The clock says 8:21
